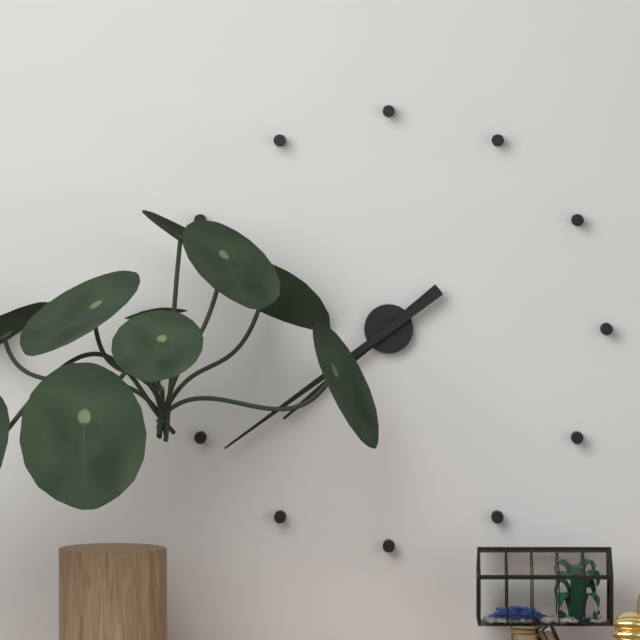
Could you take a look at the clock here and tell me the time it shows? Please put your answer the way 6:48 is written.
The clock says 7:39
